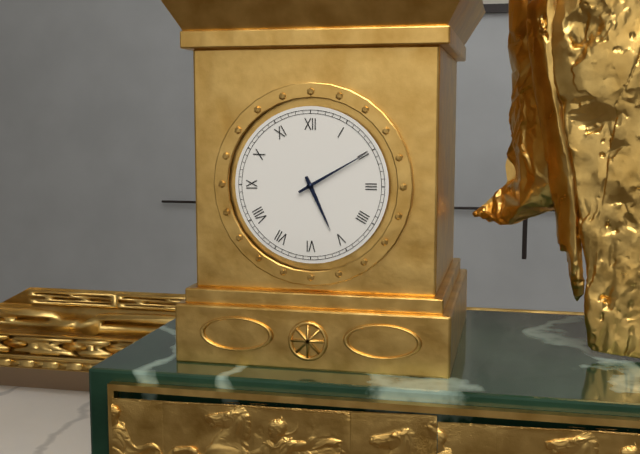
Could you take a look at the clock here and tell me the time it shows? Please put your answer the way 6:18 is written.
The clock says 5:10
